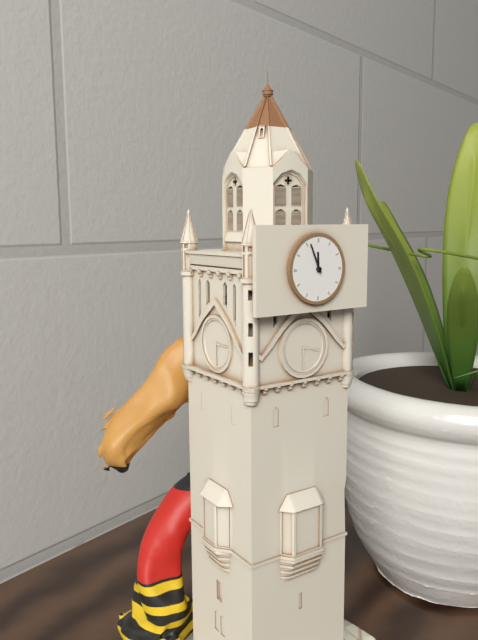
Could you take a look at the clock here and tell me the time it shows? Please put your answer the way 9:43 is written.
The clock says 11:56
